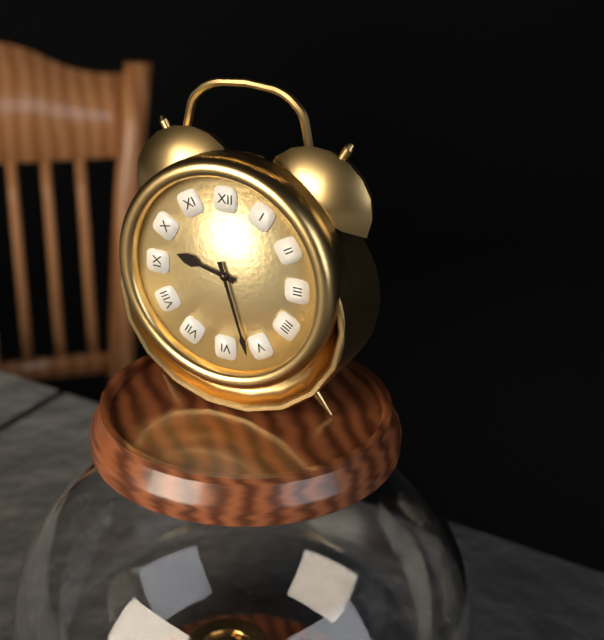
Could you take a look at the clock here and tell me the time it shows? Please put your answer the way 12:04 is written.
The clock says 9:27
